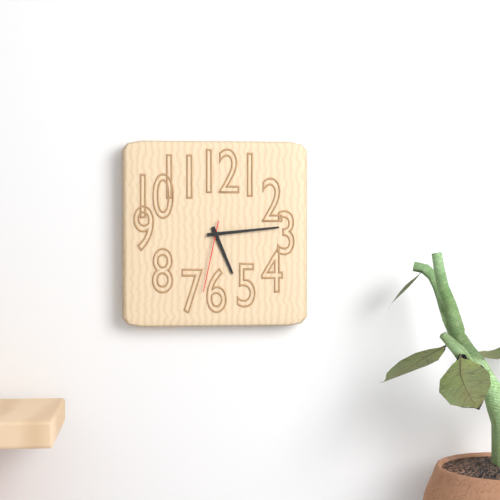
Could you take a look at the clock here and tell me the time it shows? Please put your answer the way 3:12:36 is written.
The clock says 5:14:32
